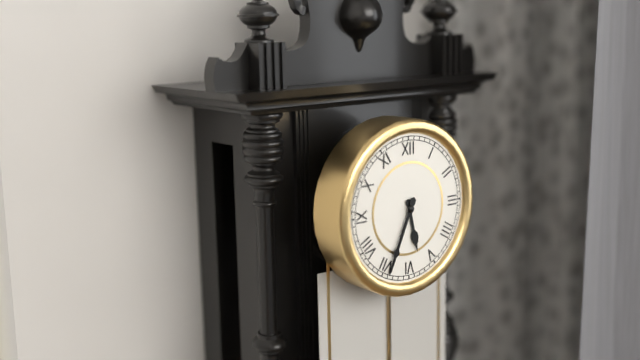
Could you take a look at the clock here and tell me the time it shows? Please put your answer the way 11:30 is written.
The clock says 5:34
